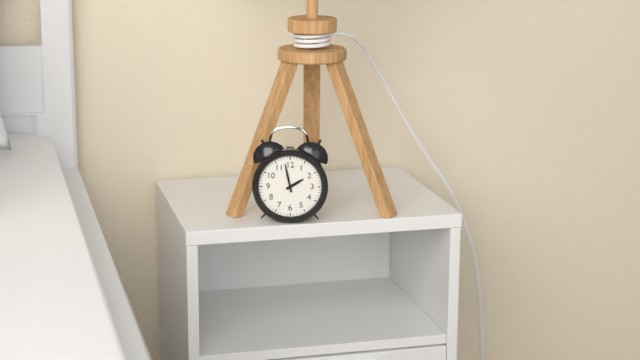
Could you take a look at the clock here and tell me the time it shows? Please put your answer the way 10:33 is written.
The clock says 1:58
